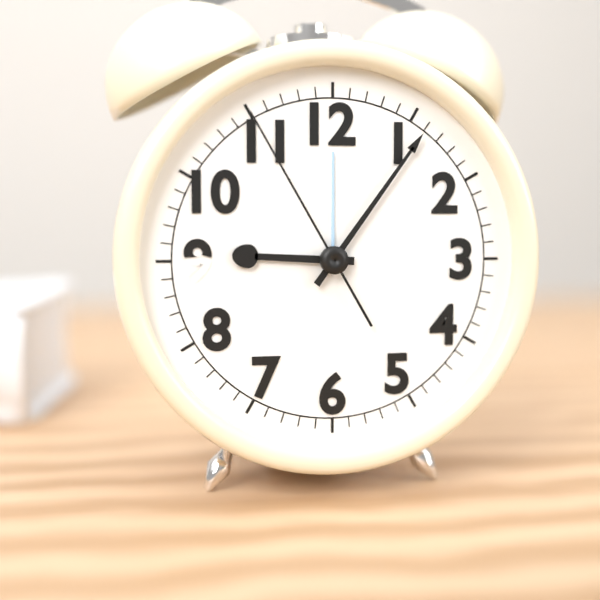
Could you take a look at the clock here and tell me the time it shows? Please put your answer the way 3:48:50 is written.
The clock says 9:06:55
